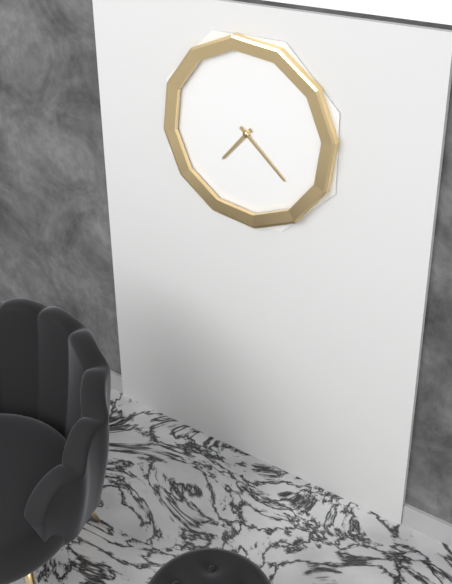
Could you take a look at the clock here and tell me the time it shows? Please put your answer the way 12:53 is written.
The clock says 7:22
